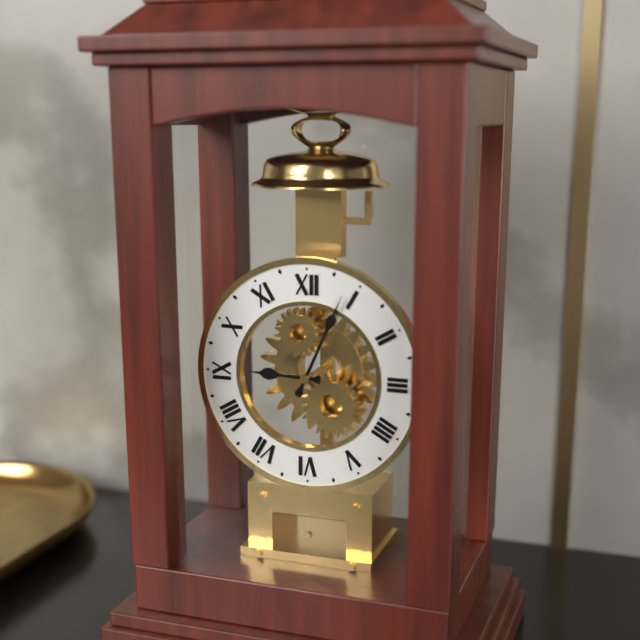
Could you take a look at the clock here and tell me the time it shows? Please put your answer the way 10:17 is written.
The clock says 9:04
